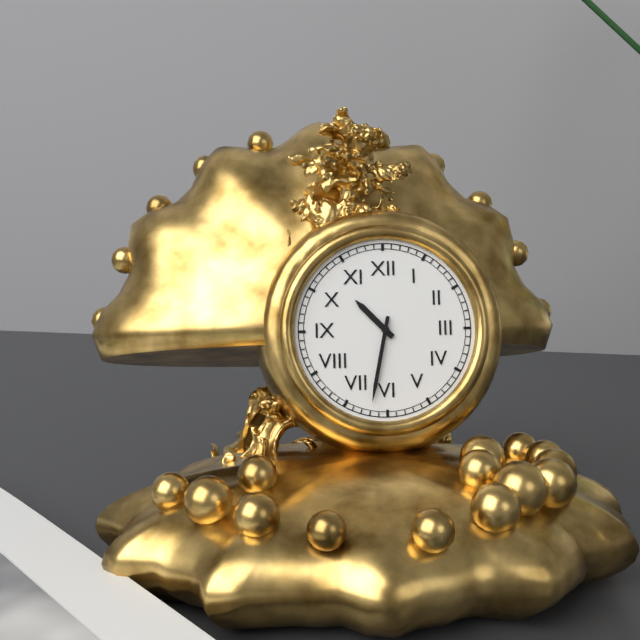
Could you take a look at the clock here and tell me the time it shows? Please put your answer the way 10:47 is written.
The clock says 10:32
